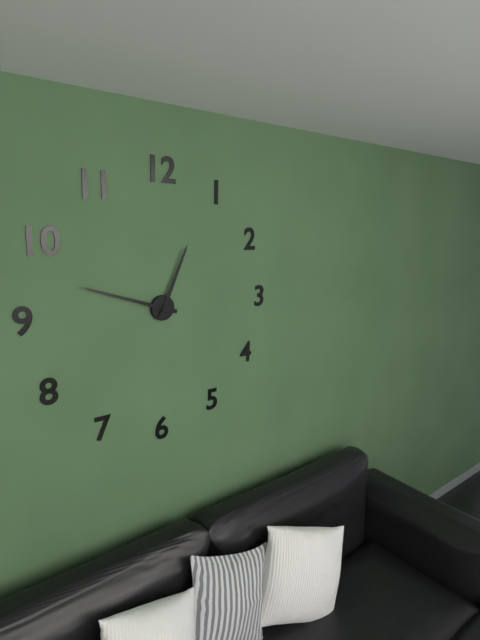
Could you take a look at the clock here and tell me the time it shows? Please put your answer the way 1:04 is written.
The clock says 12:48
